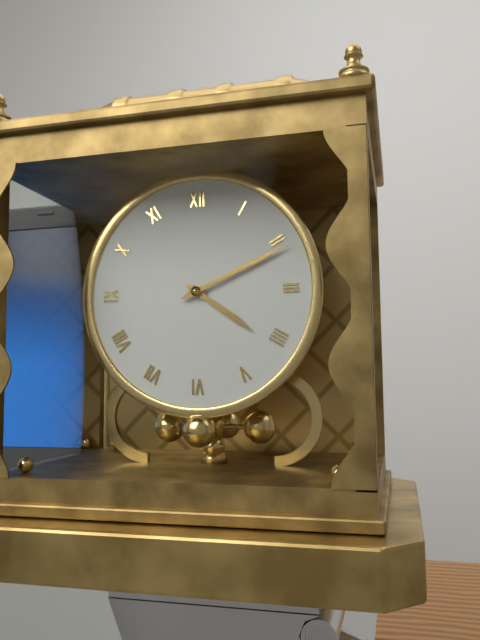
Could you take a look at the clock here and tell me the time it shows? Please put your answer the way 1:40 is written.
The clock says 4:11
